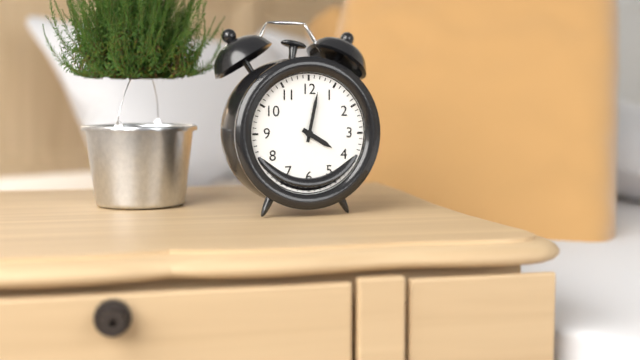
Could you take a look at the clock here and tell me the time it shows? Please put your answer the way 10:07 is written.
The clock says 4:02
